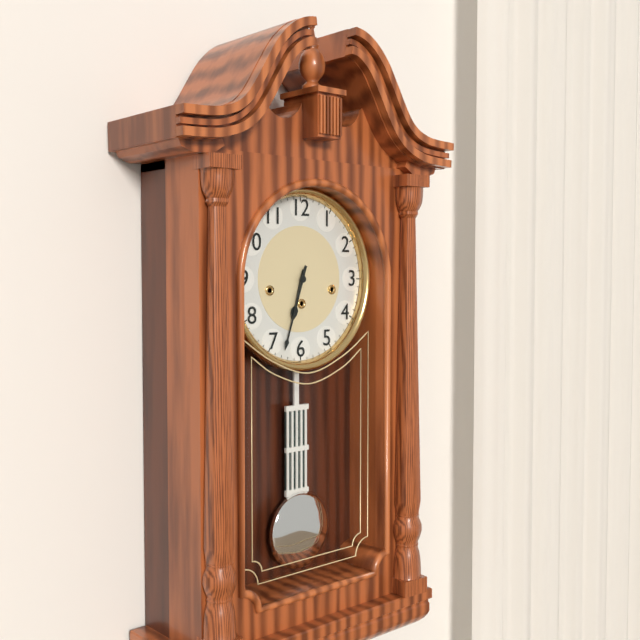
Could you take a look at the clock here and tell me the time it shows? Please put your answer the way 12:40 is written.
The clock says 6:33
